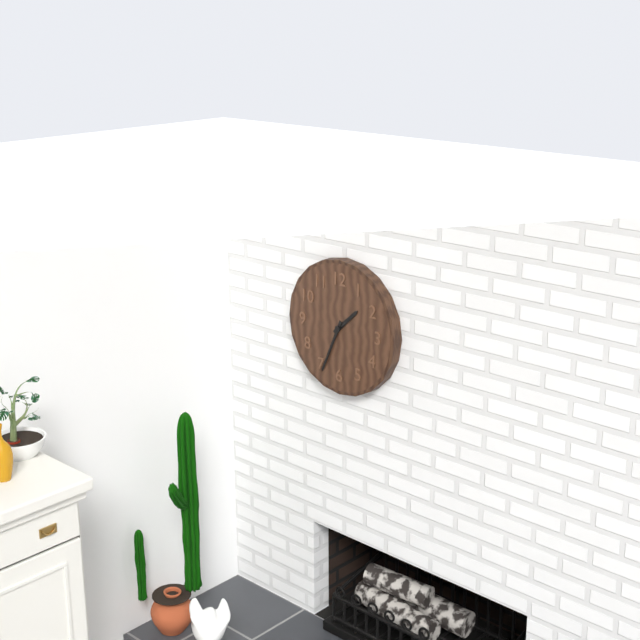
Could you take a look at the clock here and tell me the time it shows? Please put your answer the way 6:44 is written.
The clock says 1:34
